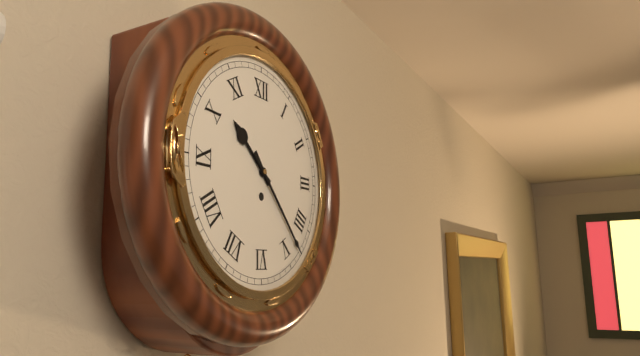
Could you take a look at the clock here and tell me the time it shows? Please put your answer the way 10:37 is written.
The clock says 10:23
